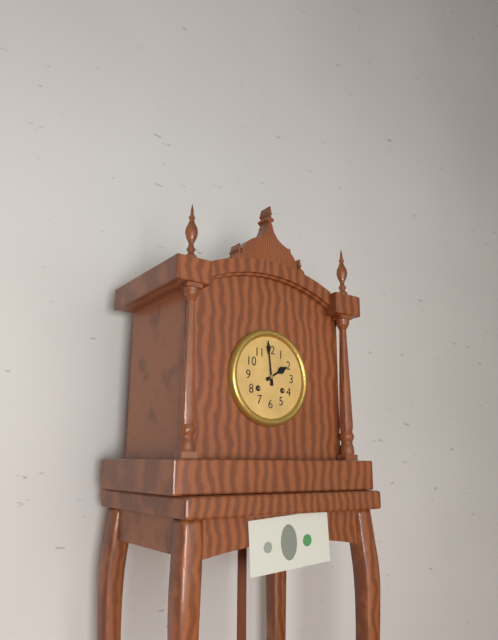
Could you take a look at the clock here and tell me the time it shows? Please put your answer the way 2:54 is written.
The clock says 1:59
